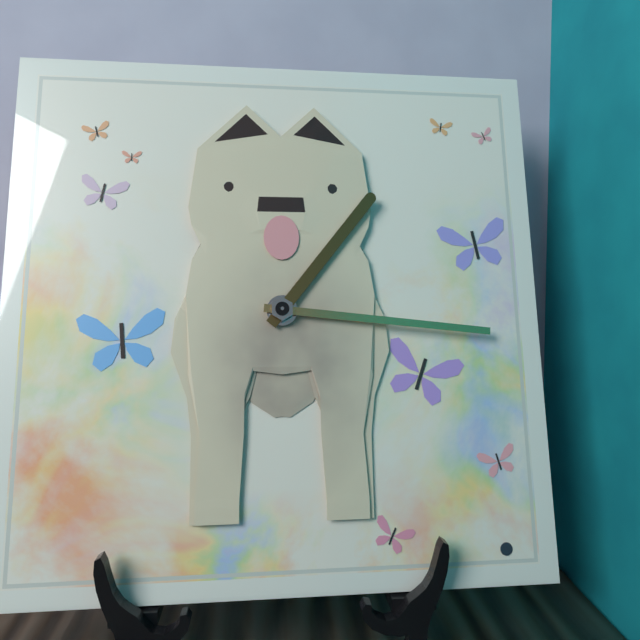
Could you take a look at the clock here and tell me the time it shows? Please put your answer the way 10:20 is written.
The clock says 1:16
